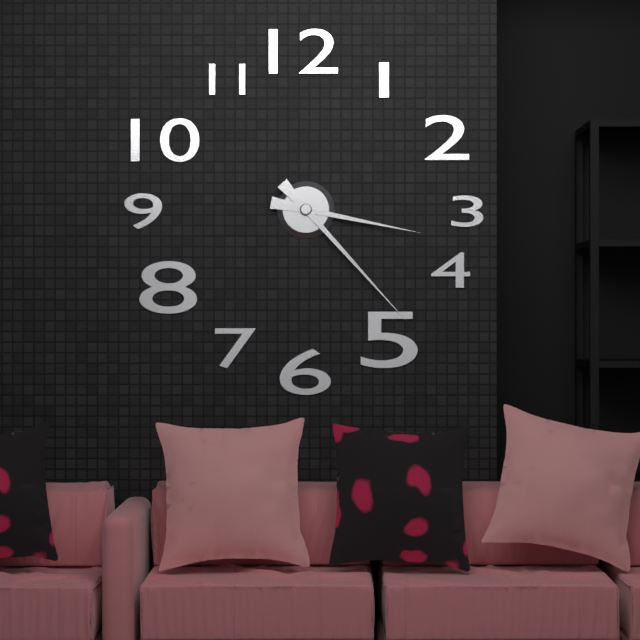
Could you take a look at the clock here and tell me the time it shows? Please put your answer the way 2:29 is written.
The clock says 3:23
